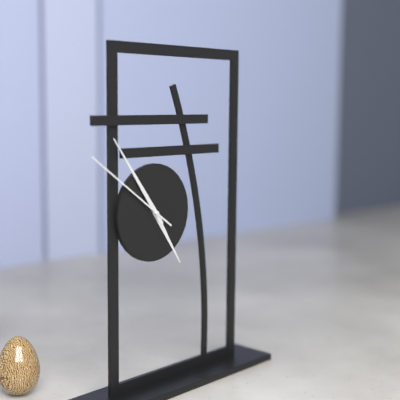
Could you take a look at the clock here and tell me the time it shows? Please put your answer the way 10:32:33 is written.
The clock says 4:54:51
